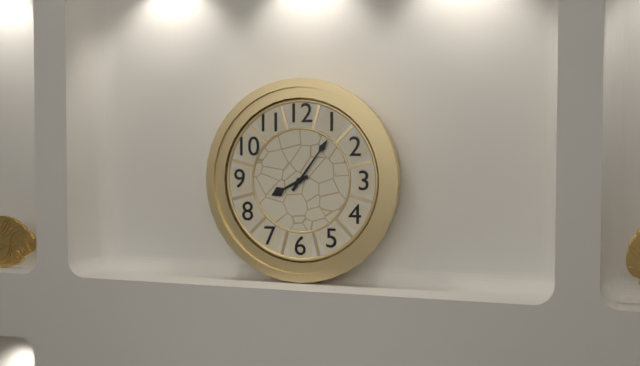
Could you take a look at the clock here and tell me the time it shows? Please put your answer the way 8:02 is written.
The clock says 8:06
